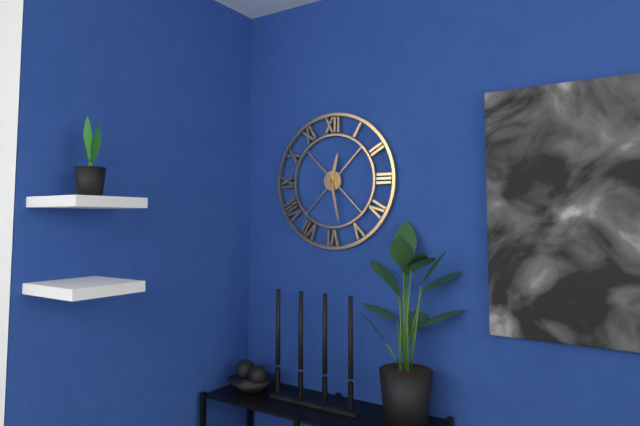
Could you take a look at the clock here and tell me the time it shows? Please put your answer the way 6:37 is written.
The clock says 12:28
